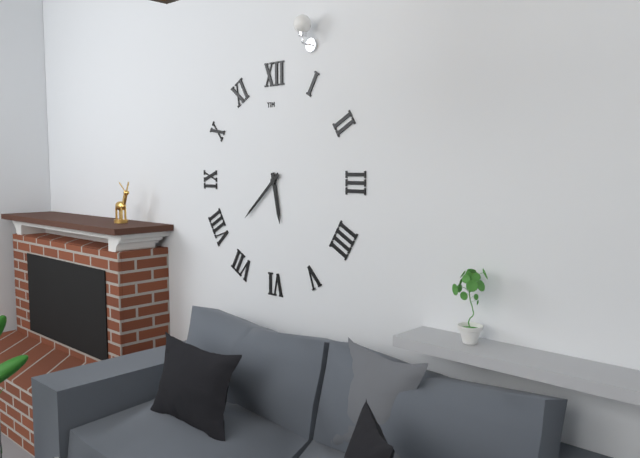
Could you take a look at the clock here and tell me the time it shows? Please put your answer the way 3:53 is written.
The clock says 5:38
